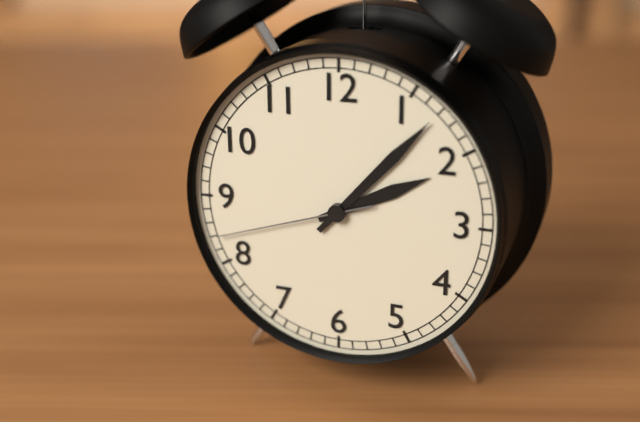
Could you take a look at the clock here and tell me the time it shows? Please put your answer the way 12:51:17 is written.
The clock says 2:07:42
